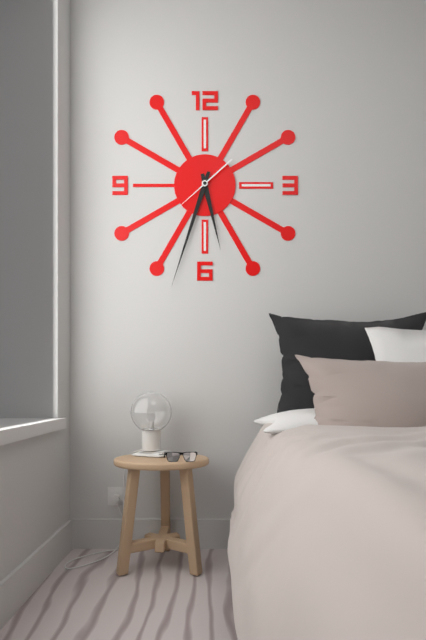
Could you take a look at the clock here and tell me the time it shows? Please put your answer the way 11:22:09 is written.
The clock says 5:33:38
